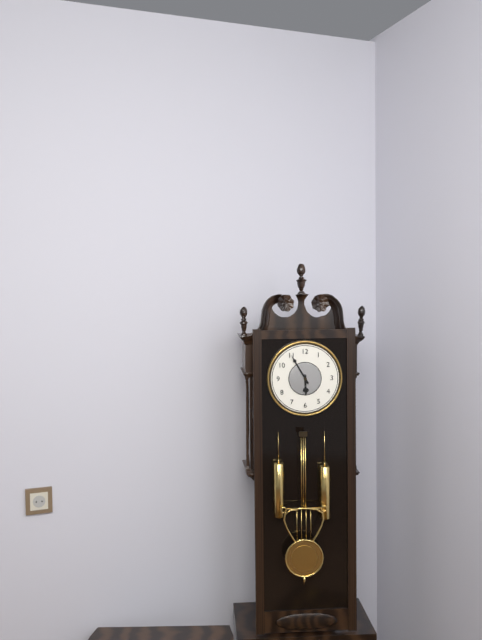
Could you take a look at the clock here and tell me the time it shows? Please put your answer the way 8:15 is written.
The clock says 5:55
